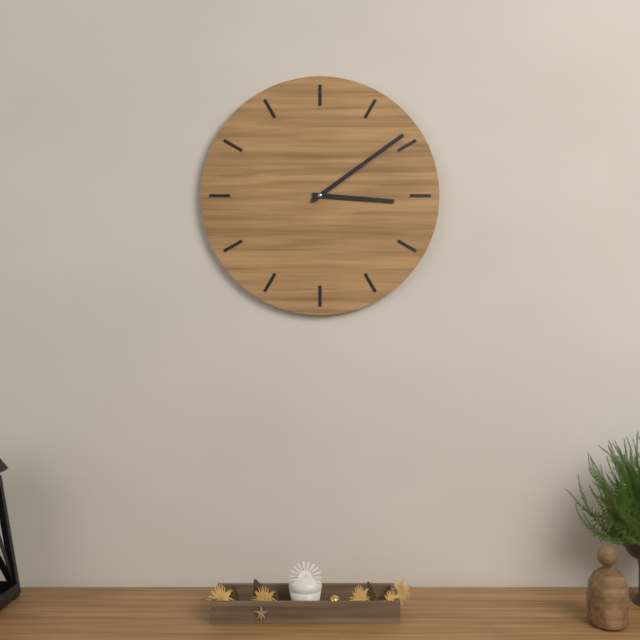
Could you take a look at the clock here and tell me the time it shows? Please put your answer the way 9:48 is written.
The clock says 3:09
